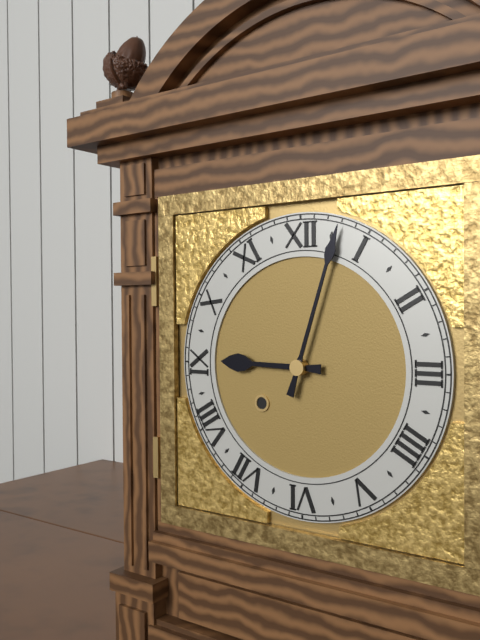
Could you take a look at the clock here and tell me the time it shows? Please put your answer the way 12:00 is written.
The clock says 9:03
